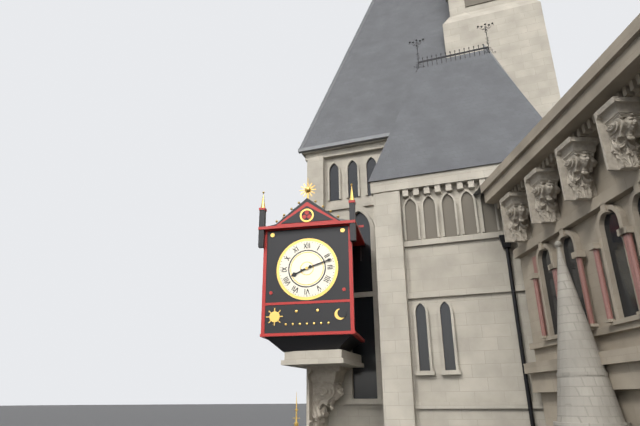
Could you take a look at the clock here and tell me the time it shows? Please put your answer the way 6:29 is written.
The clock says 8:12
